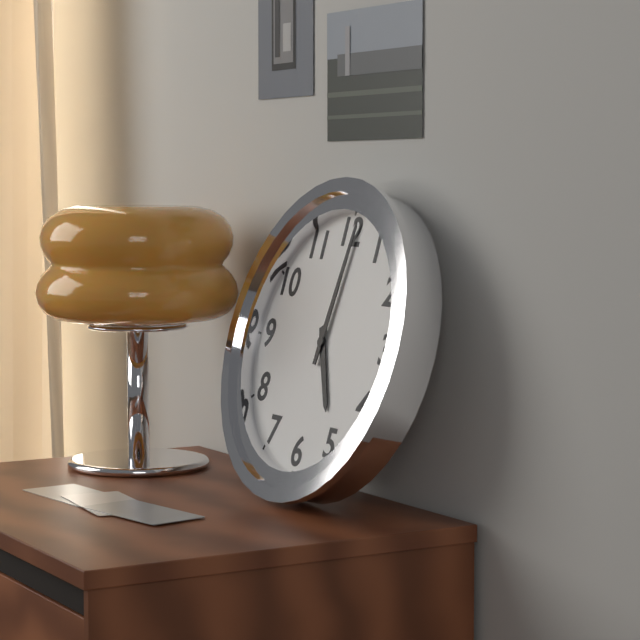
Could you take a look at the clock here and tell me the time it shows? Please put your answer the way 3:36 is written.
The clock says 5:01
